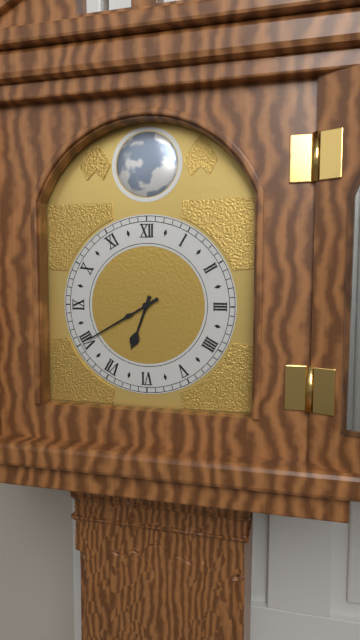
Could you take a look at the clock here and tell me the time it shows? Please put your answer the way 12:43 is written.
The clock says 6:40
